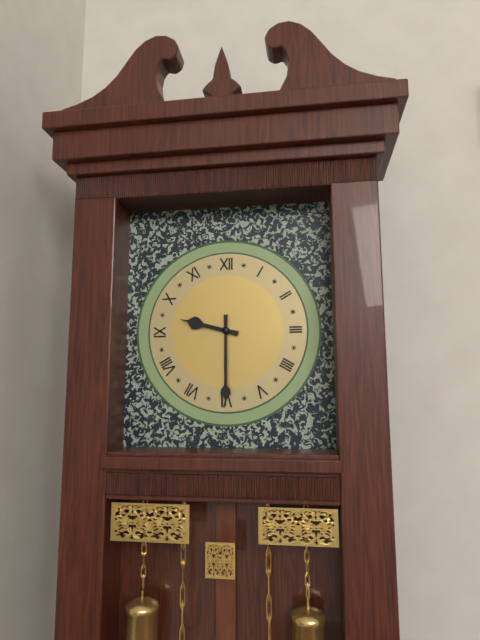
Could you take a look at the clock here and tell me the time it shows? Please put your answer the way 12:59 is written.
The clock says 9:30
